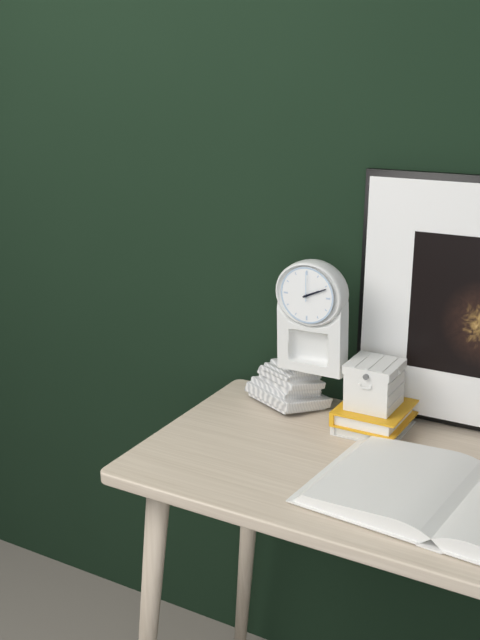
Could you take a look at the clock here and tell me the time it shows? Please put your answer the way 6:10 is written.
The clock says 2:11
